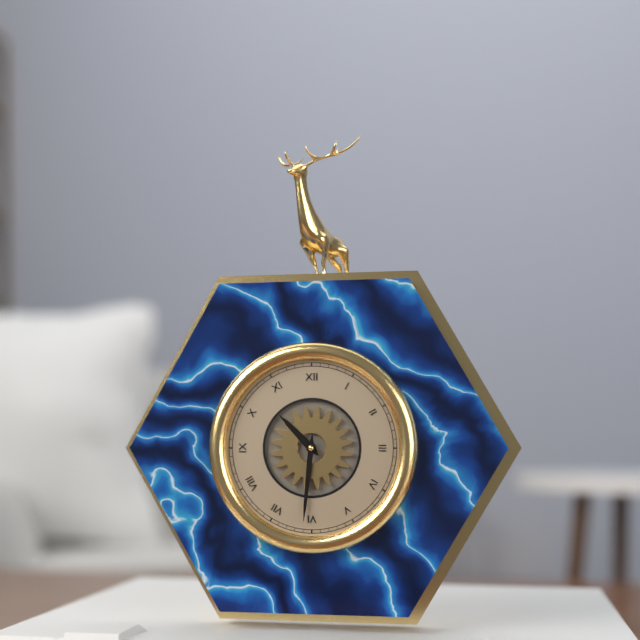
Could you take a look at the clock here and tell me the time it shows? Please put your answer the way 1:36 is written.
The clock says 10:31
